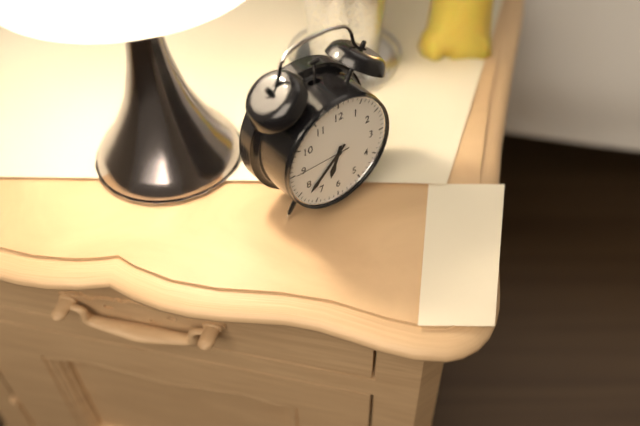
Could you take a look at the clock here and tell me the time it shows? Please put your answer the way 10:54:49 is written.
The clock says 6:38:45
